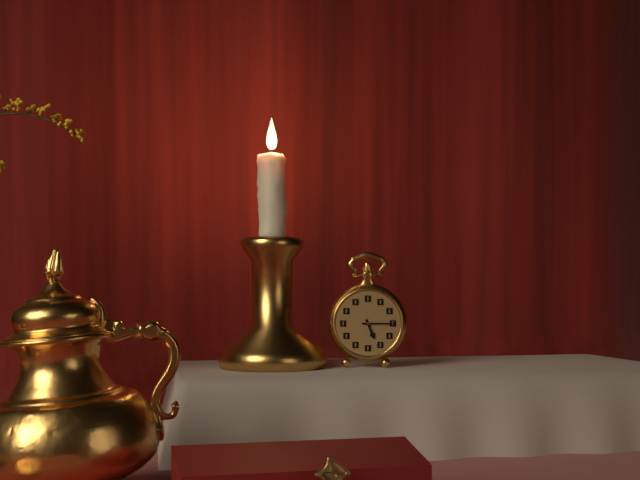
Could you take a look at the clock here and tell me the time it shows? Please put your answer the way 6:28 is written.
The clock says 5:15
